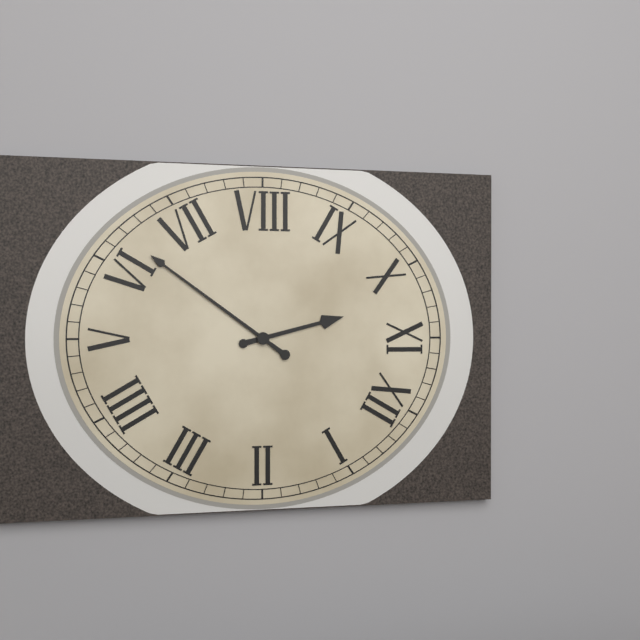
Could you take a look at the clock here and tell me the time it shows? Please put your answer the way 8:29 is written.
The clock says 10:31
